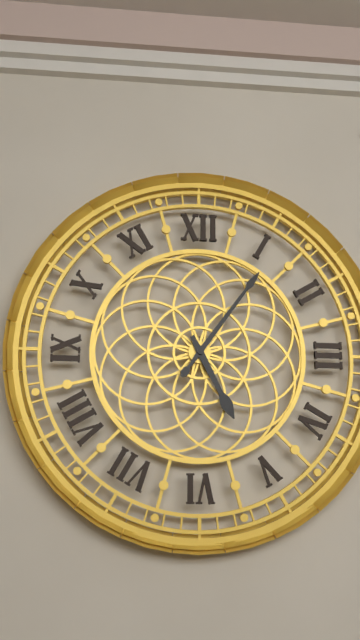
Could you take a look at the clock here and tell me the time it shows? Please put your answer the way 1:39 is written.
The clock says 5:06
